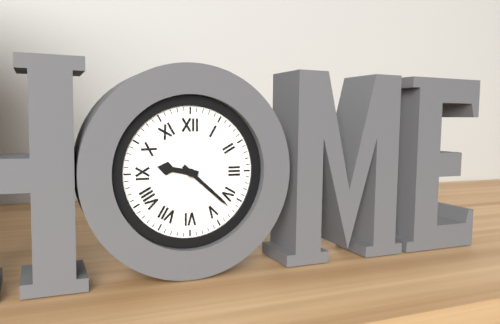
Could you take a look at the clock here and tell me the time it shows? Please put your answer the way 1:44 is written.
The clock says 9:22
